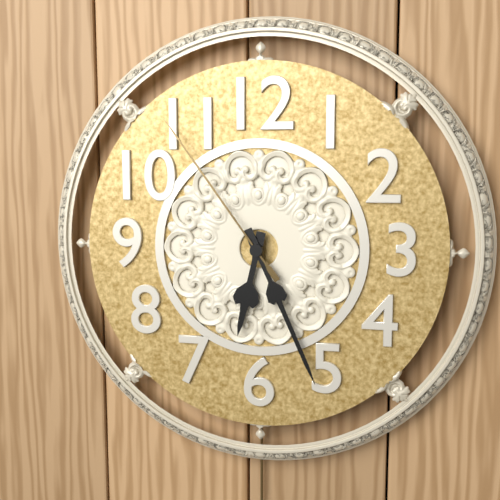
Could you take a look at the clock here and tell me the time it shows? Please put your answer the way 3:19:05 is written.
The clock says 6:26:54
